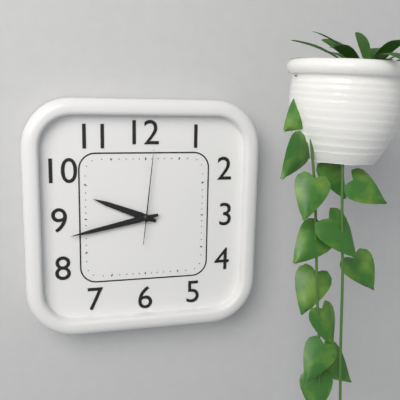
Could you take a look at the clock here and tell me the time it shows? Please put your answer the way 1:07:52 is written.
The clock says 9:43:01
